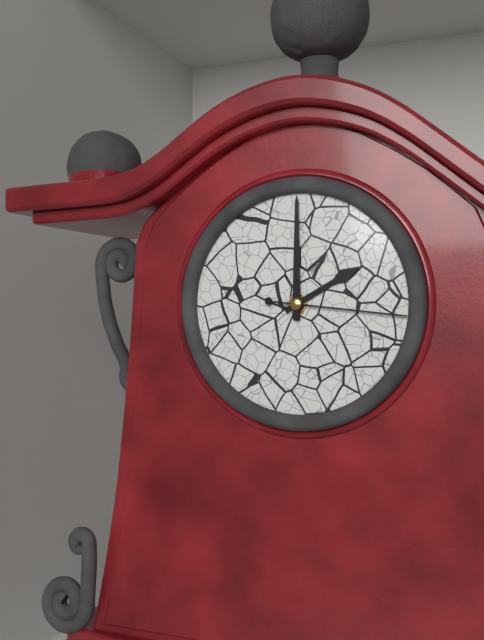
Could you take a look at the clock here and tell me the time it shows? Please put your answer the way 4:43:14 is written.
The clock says 2:00:16
